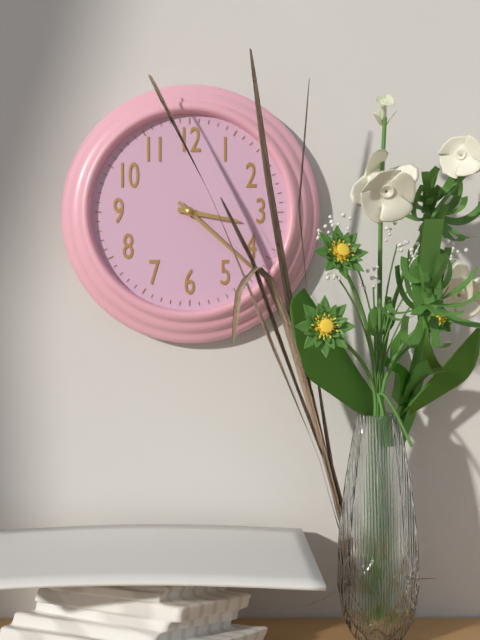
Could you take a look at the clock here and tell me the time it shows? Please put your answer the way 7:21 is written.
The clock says 3:22
